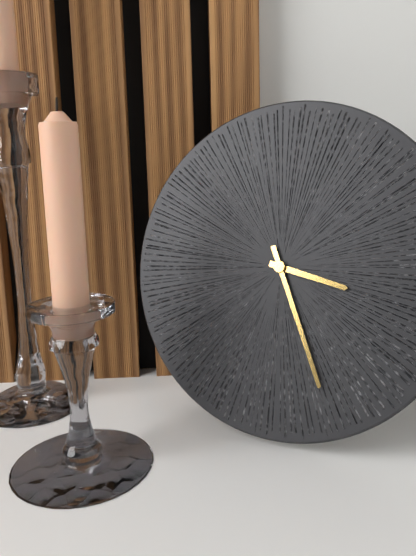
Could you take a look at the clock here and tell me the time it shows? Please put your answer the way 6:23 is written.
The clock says 3:26
